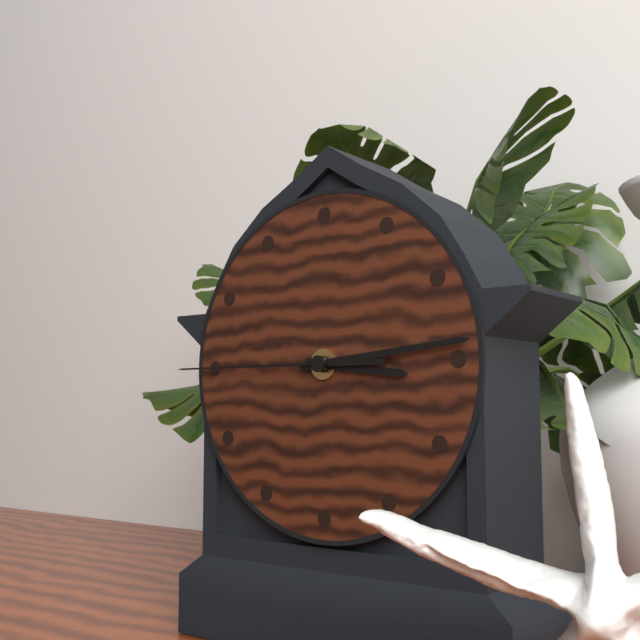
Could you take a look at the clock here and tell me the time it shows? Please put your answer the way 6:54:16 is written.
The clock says 3:14:45
